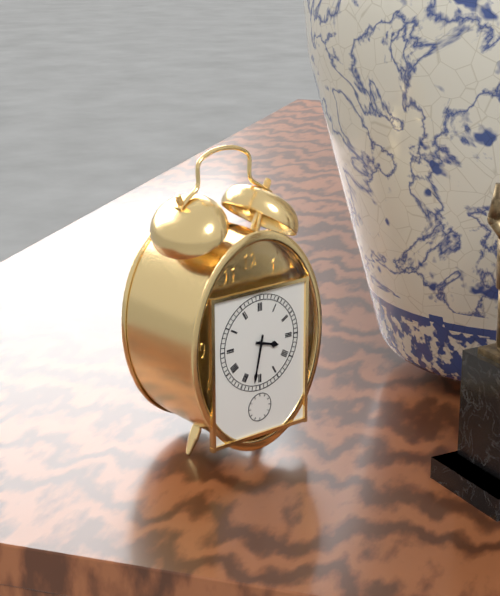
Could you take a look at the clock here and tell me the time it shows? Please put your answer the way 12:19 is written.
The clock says 3:32
